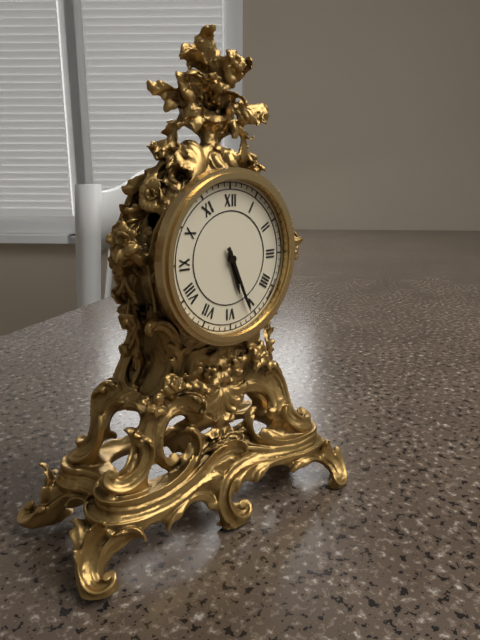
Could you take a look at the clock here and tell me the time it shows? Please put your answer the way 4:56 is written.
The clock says 5:26
